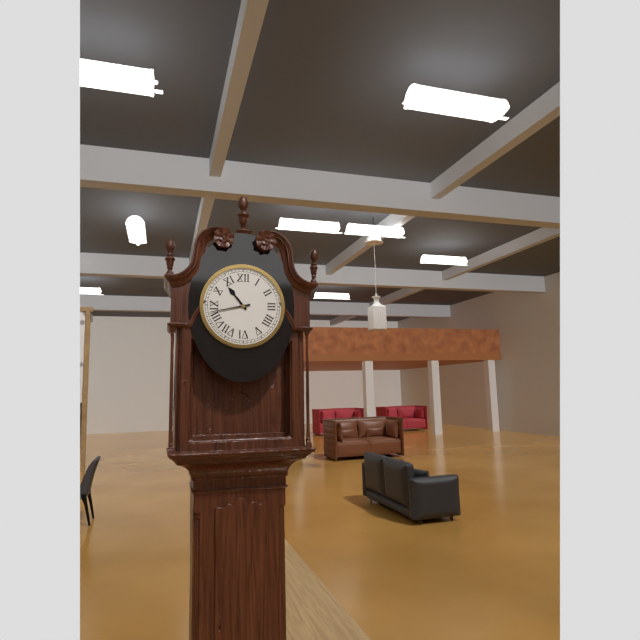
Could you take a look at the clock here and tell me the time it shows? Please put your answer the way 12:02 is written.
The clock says 10:43
